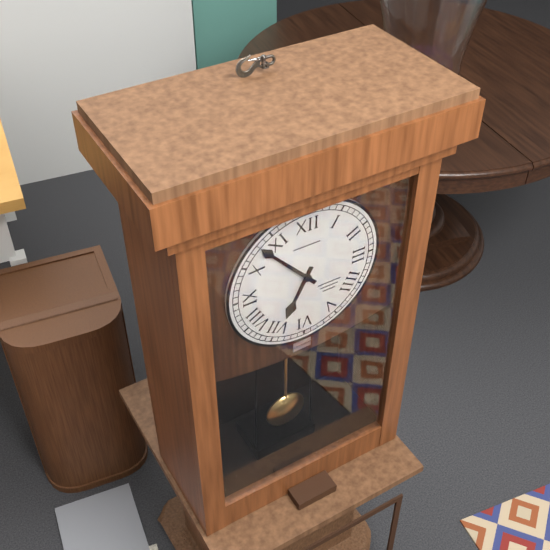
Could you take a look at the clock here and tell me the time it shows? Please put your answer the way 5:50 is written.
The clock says 6:53
